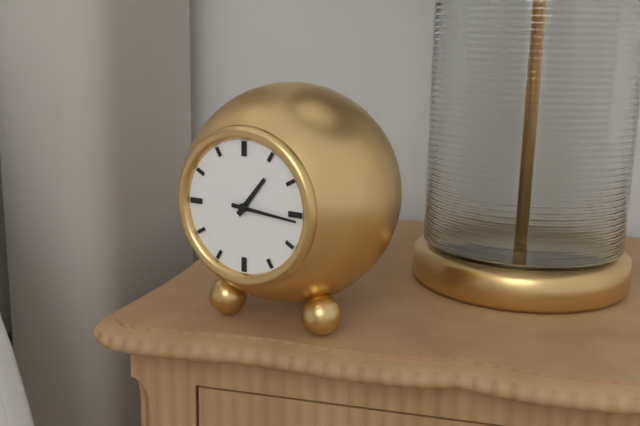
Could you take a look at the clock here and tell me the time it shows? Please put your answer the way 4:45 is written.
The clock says 1:16
